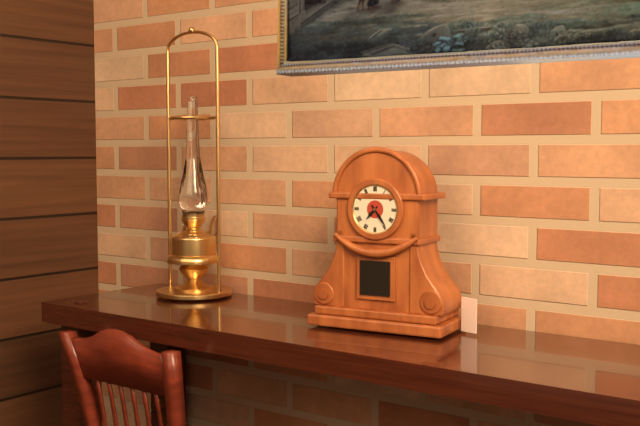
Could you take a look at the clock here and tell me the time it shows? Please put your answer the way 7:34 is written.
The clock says 7:24
